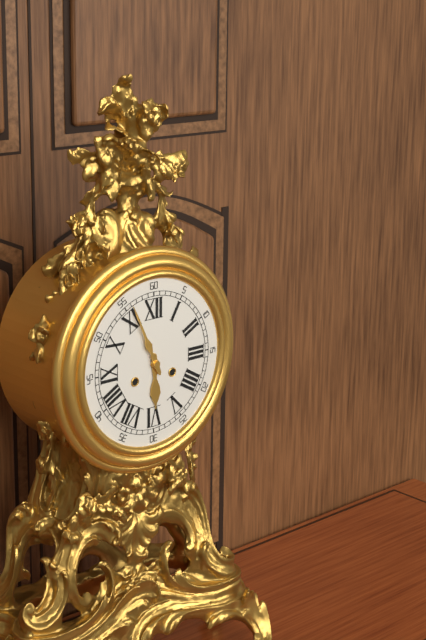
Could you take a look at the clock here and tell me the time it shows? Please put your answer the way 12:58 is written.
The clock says 5:56
